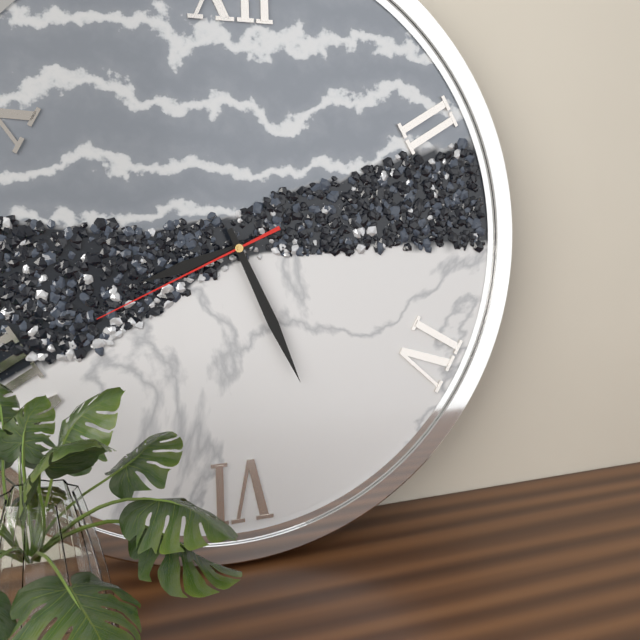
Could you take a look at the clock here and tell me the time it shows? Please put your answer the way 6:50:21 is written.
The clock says 8:26:41
